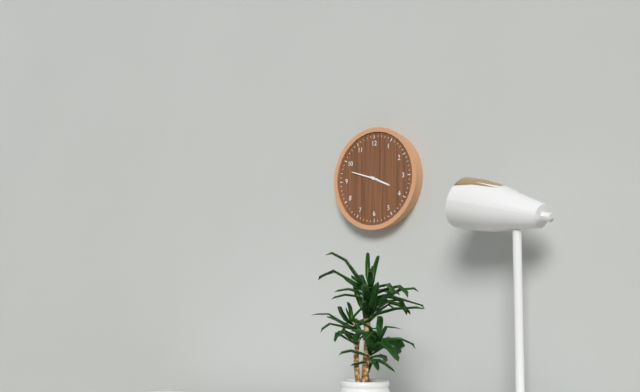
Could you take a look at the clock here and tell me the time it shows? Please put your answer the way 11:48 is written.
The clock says 3:48
